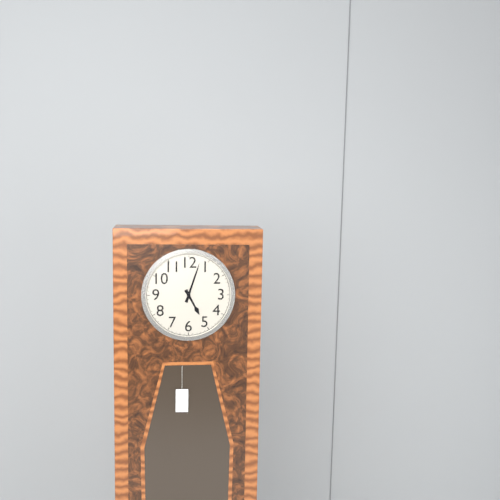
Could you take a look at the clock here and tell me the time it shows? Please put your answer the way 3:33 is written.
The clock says 5:03
